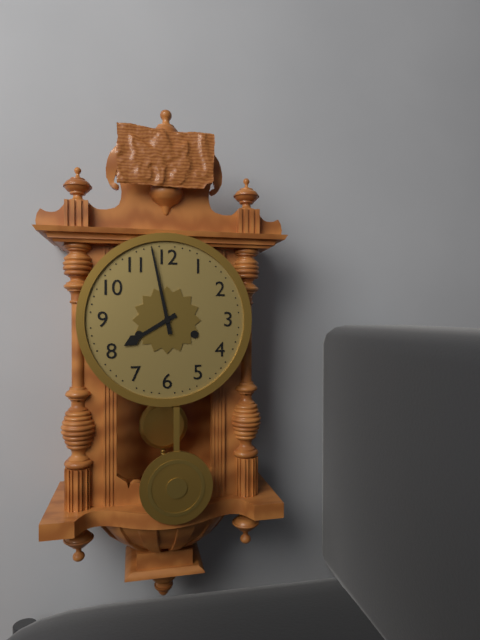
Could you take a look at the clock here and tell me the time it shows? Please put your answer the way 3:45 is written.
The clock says 7:58
